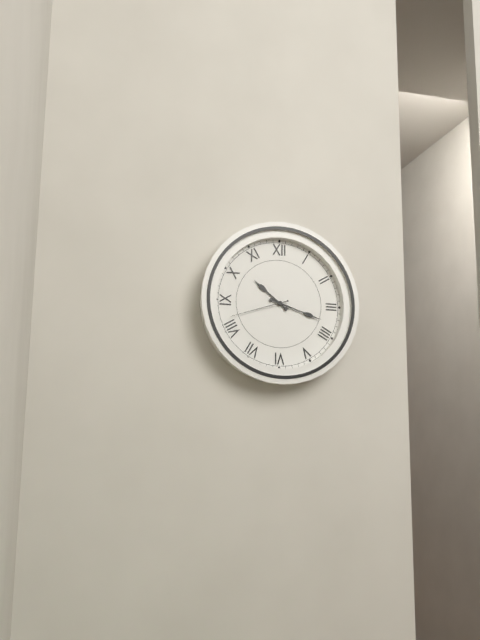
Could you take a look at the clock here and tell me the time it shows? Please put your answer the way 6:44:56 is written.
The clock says 10:18:42
